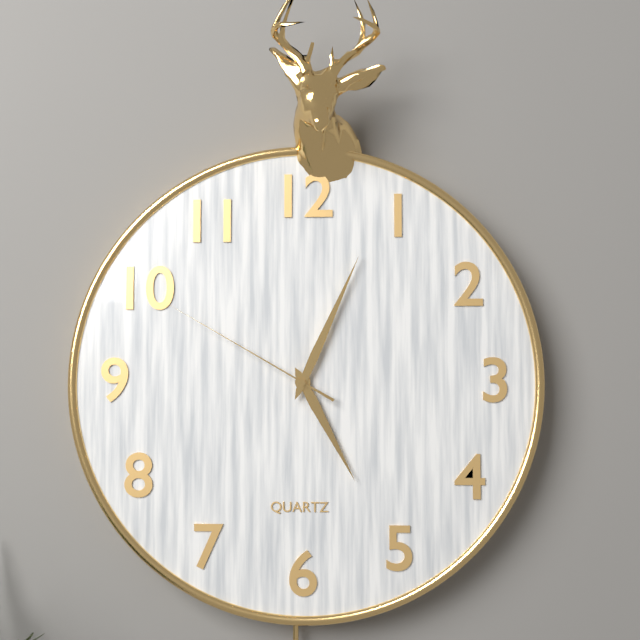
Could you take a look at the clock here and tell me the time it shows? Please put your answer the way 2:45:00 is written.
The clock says 5:04:50
